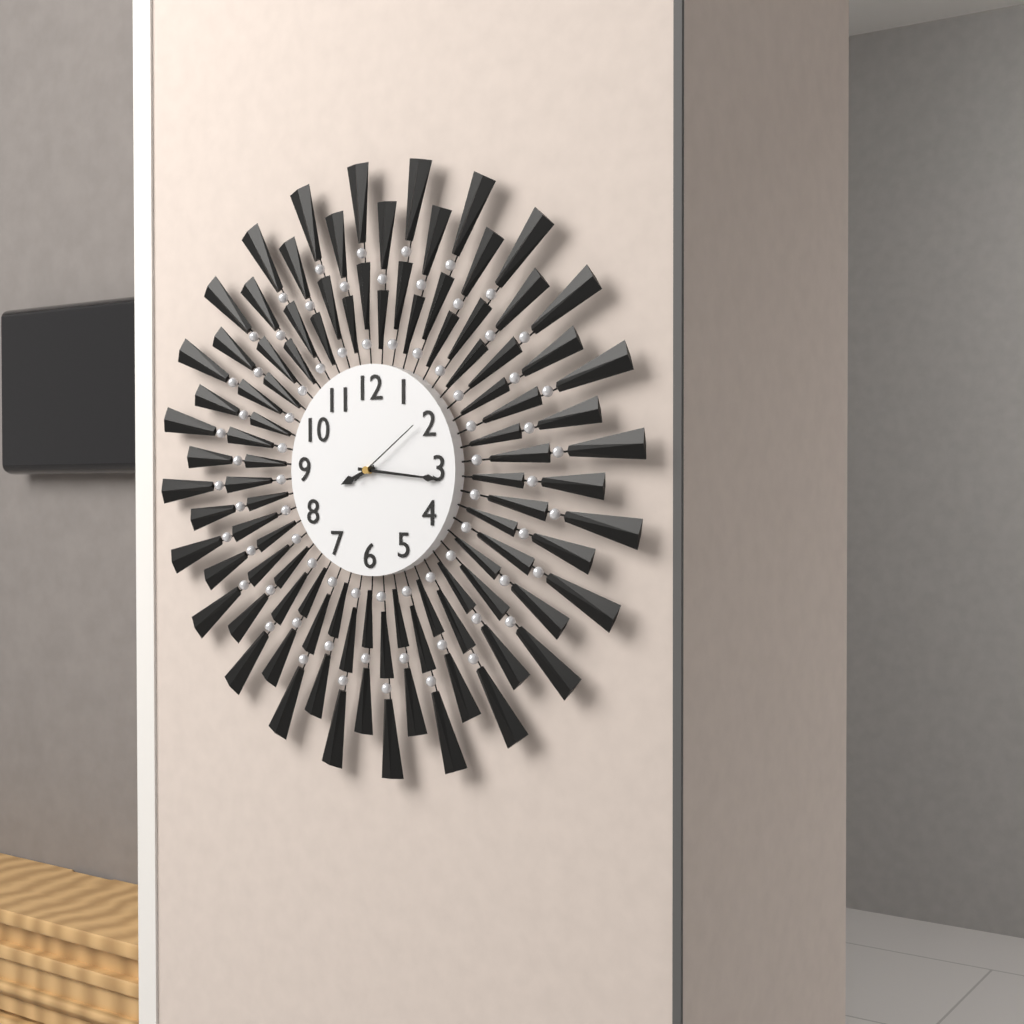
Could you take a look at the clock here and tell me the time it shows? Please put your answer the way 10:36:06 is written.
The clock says 8:16:09
